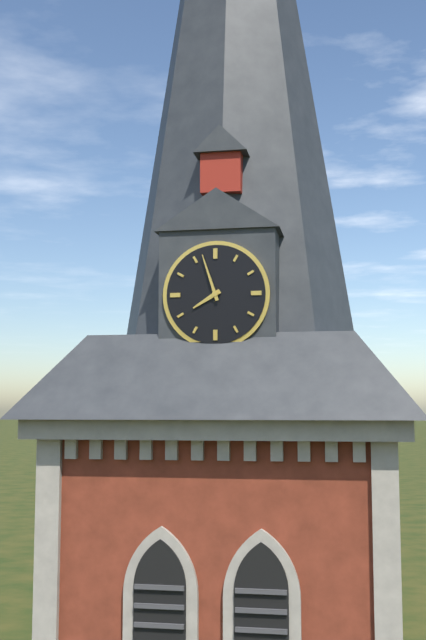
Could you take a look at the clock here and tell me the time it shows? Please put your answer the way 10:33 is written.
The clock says 7:57
